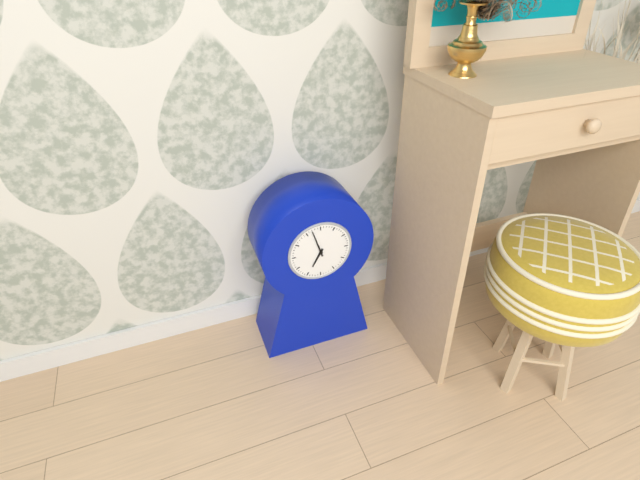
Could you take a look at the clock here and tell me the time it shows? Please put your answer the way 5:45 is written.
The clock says 6:57
